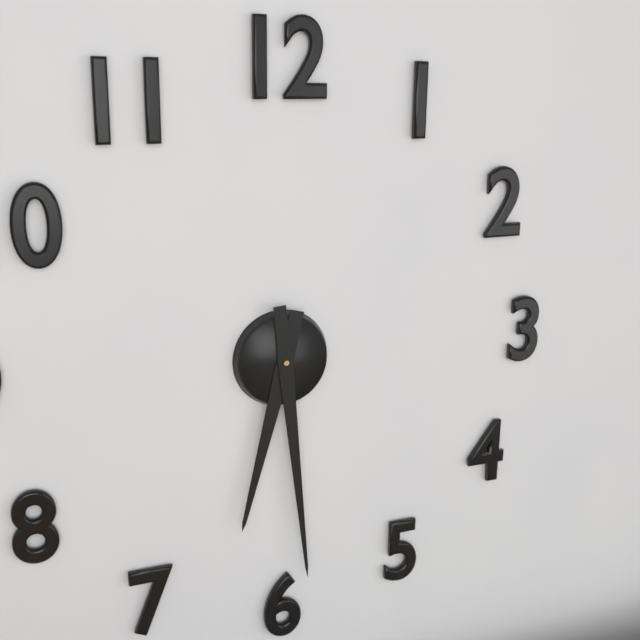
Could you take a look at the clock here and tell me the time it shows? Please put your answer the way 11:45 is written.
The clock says 6:29
